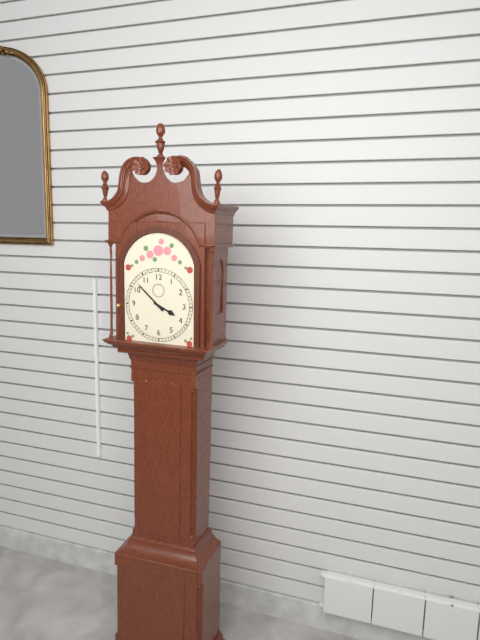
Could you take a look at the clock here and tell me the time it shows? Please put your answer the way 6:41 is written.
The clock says 3:52
